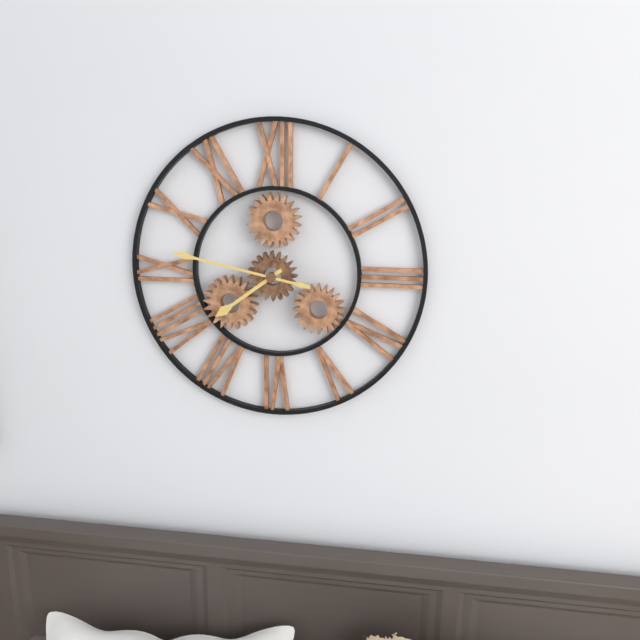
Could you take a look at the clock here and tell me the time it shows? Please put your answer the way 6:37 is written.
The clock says 7:47
